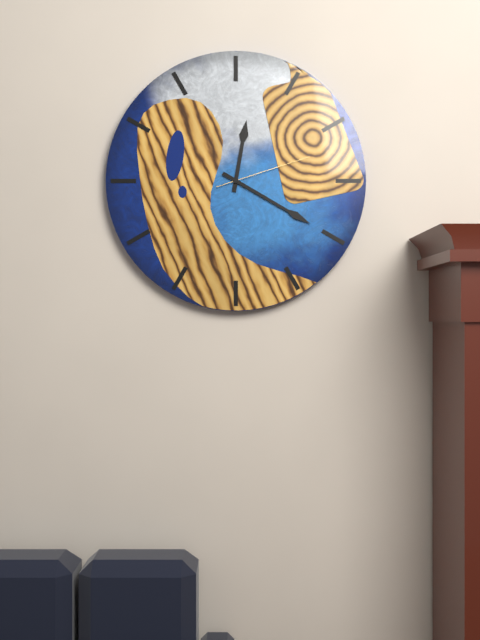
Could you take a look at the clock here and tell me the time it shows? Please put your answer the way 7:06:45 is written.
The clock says 12:20:12
